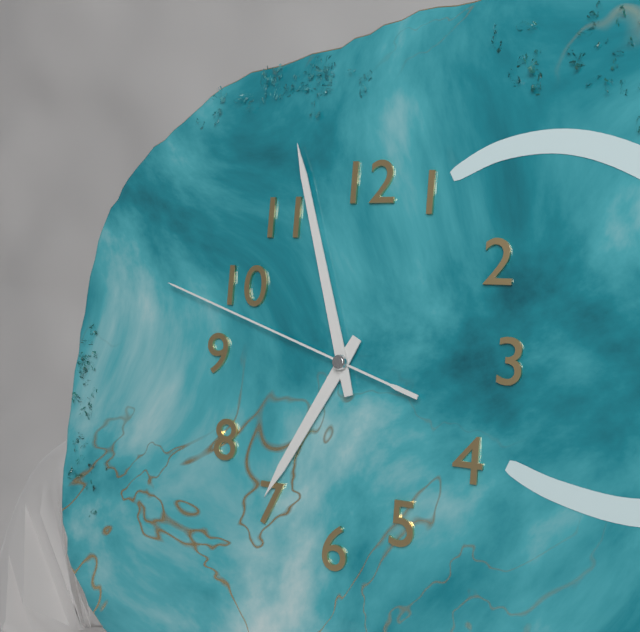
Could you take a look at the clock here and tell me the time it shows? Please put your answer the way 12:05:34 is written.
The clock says 6:57:48
